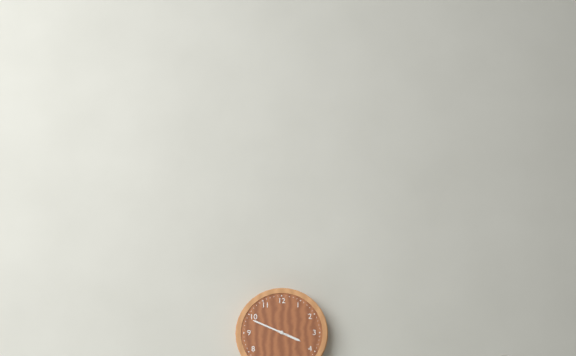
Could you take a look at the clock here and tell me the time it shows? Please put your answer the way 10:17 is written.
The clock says 3:49
